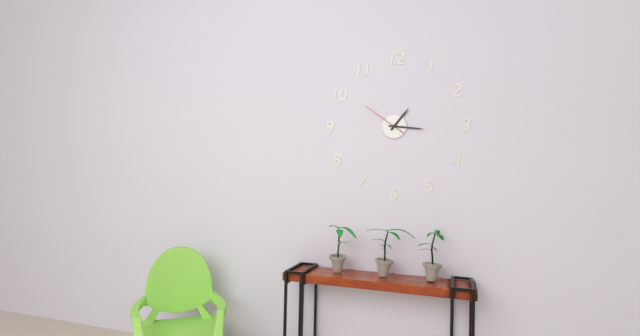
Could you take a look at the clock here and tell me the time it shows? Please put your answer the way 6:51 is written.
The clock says 1:16
